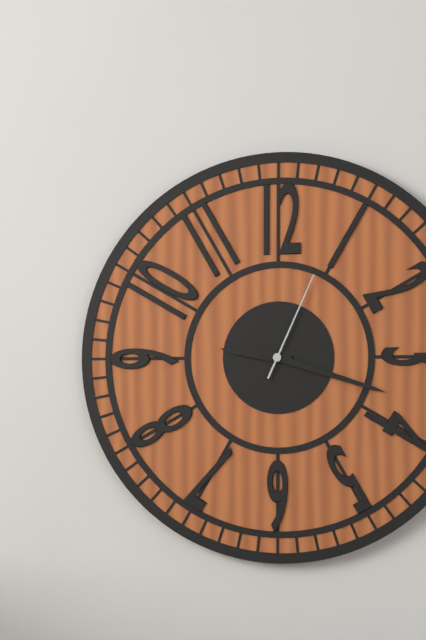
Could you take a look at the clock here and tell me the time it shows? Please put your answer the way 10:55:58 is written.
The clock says 9:18:04
